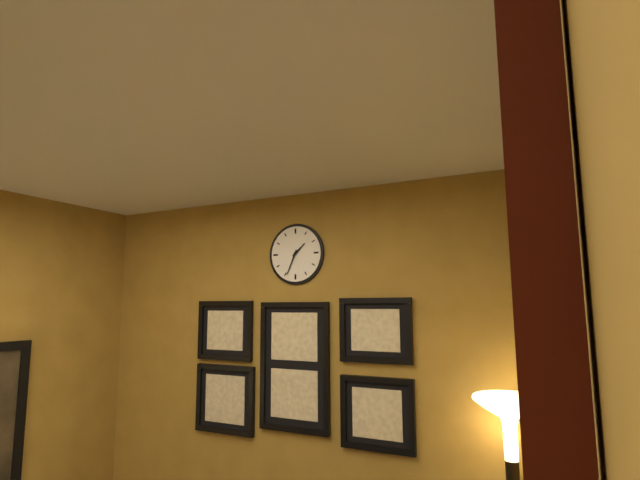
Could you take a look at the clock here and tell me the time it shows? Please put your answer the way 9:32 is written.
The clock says 1:34
